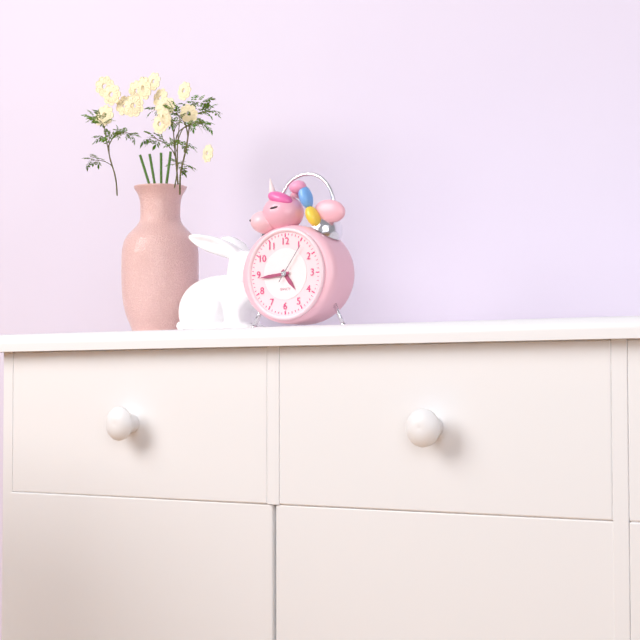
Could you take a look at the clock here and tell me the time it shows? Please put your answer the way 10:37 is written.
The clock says 4:44
